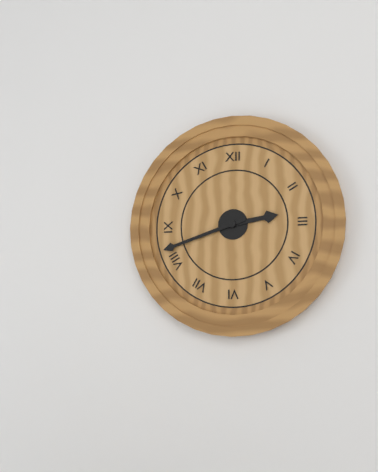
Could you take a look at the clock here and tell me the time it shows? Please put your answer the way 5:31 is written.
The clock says 2:42
